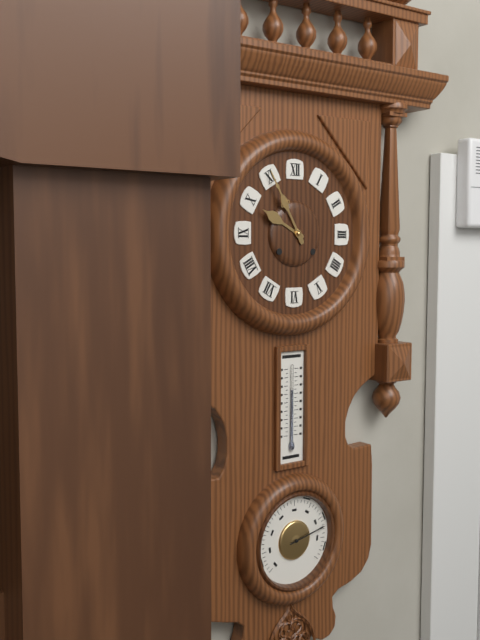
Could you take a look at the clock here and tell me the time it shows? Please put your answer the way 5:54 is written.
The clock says 9:55
